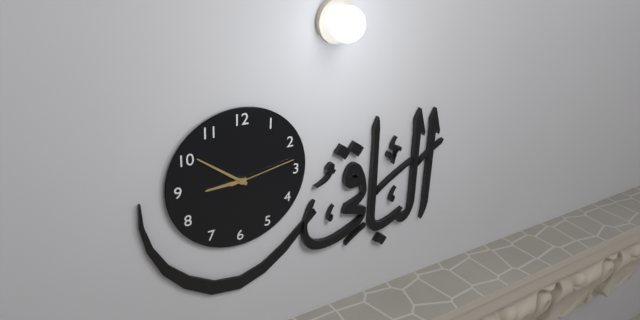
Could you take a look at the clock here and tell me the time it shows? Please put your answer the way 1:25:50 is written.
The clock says 8:51:13
